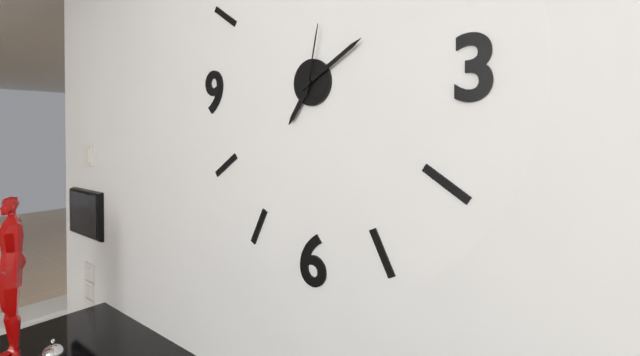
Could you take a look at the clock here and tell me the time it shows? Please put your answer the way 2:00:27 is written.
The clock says 7:10:02
